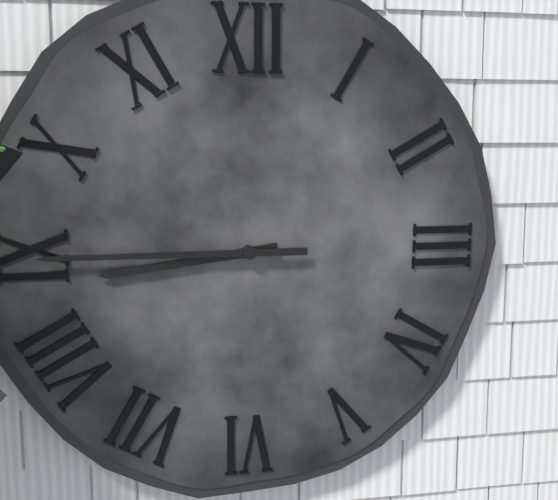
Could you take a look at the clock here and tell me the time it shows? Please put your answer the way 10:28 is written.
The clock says 8:45
